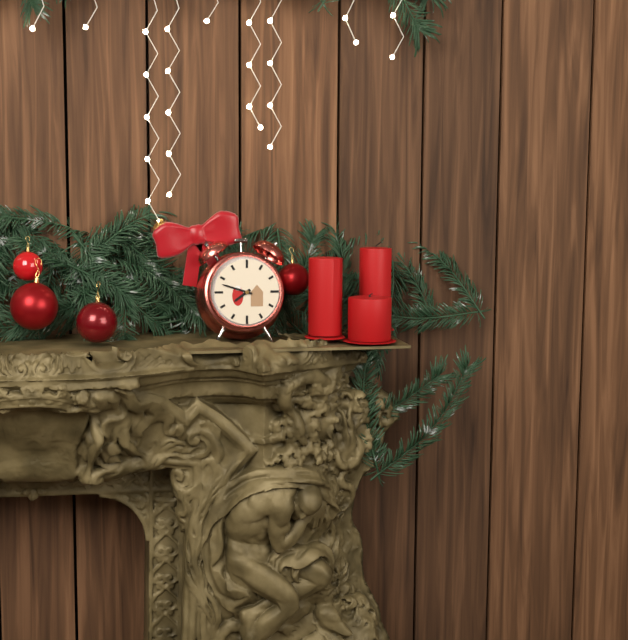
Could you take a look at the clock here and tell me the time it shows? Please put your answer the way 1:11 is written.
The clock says 7:48
